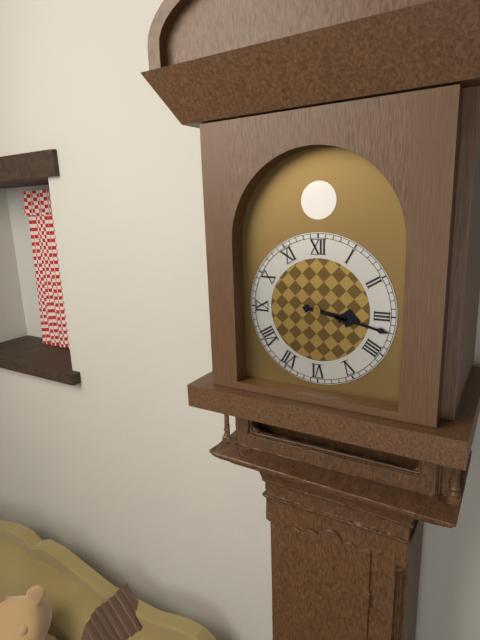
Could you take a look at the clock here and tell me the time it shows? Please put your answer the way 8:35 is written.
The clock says 3:17
